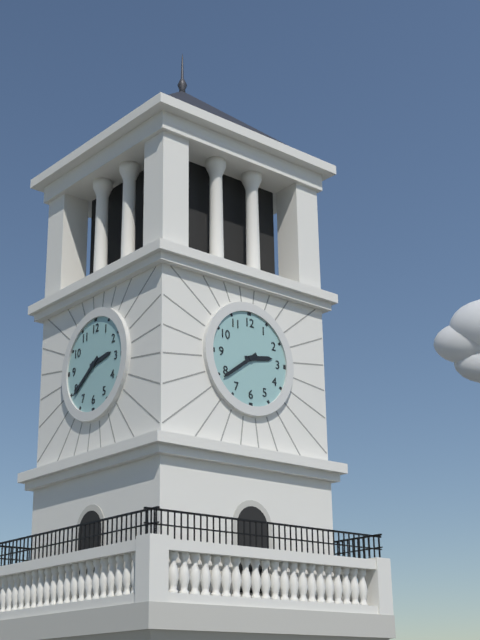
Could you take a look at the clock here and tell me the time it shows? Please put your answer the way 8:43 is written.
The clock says 2:39
